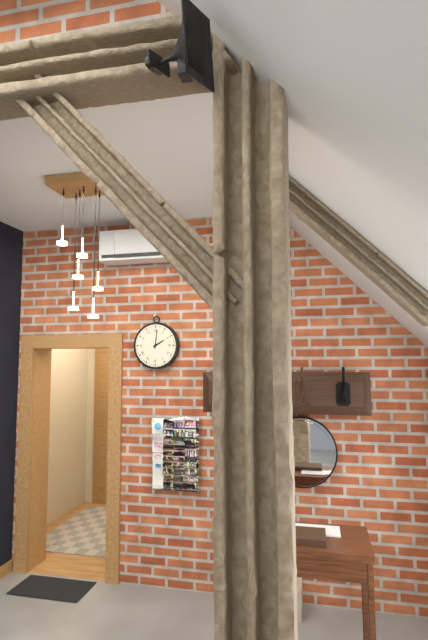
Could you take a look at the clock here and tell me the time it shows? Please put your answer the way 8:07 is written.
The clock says 2:01
